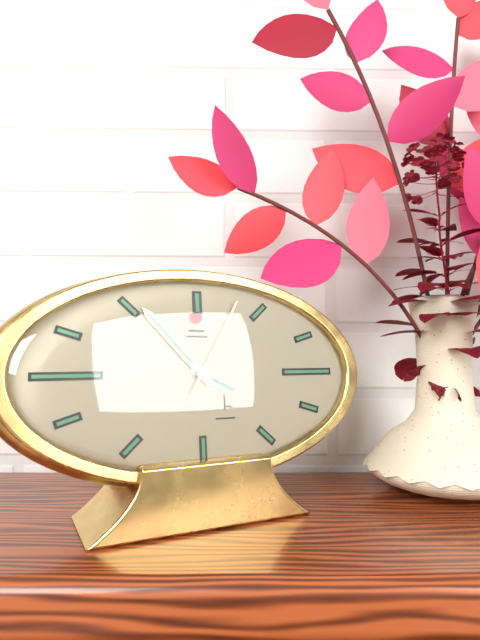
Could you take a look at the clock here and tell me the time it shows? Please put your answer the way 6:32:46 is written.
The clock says 3:53:05
